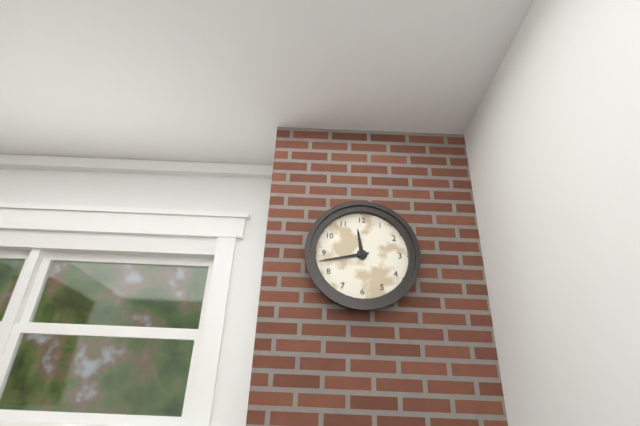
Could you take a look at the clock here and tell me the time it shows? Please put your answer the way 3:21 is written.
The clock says 11:43
